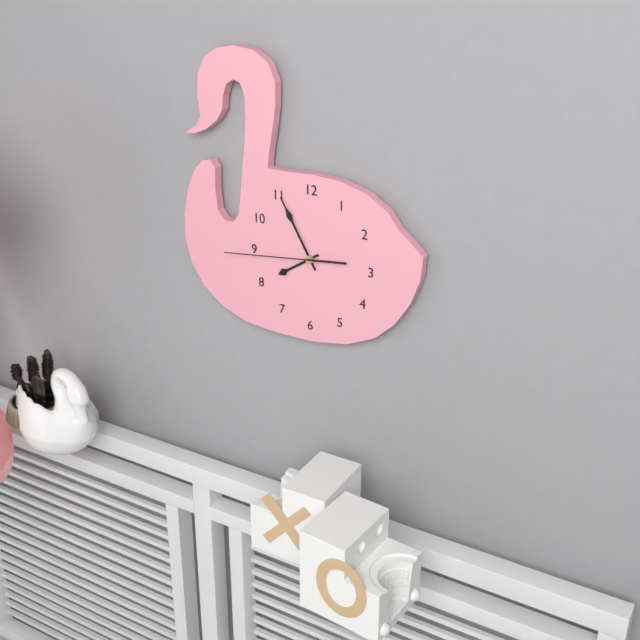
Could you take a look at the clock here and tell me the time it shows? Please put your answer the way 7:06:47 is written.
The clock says 7:55:44
